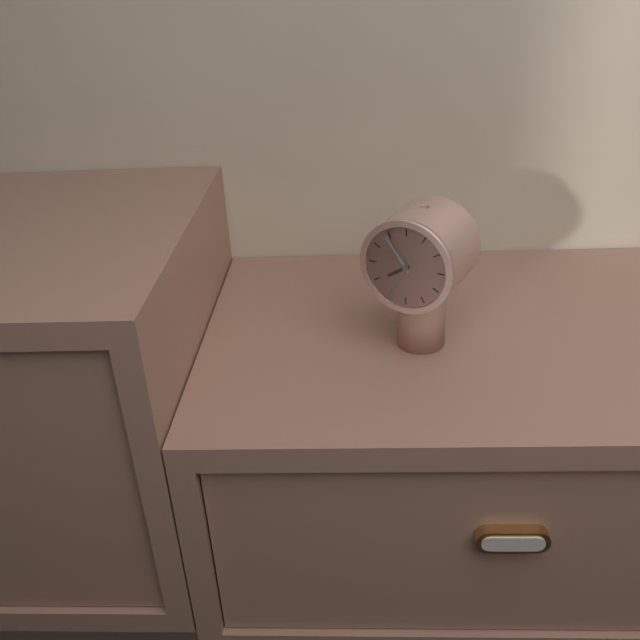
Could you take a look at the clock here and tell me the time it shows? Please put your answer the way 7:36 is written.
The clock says 7:54
